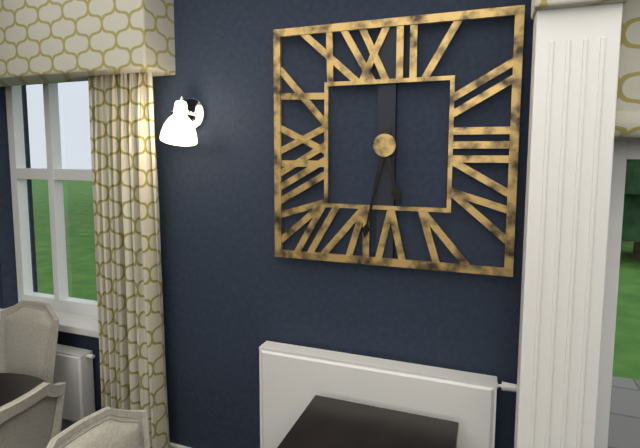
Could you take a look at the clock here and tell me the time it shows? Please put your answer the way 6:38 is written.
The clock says 5:32
